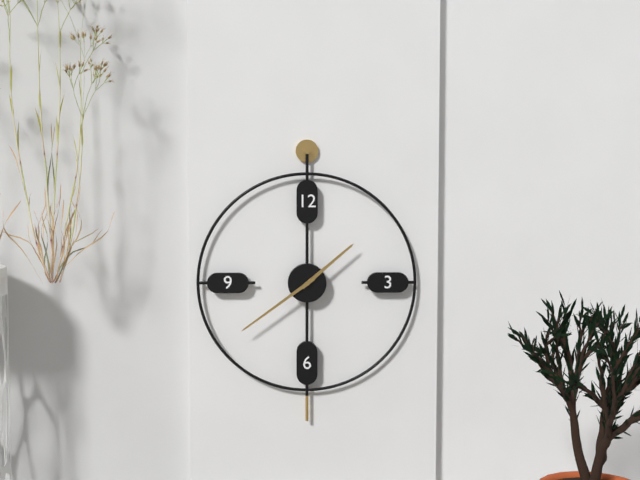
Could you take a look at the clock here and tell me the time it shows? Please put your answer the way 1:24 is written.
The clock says 1:39
